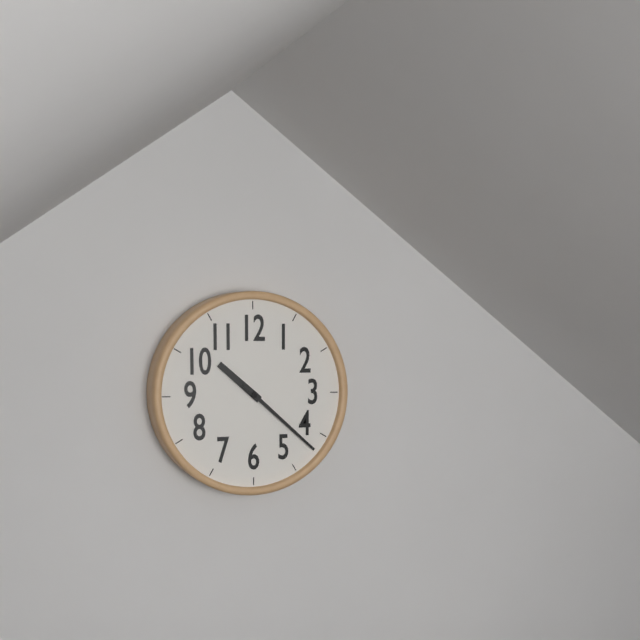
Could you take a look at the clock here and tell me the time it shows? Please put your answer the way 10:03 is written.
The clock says 10:22
